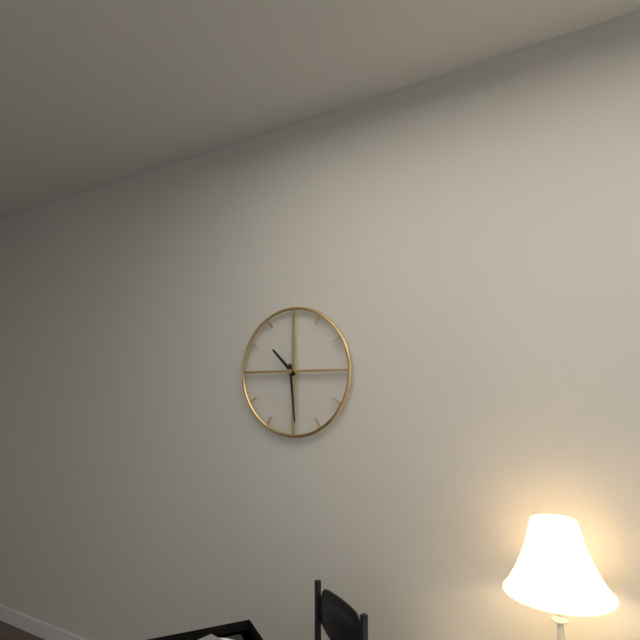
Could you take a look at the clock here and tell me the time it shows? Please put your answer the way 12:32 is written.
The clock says 10:29
